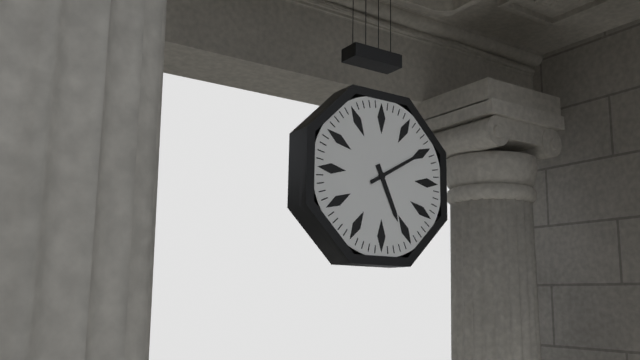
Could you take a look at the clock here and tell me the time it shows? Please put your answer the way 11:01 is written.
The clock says 5:10
